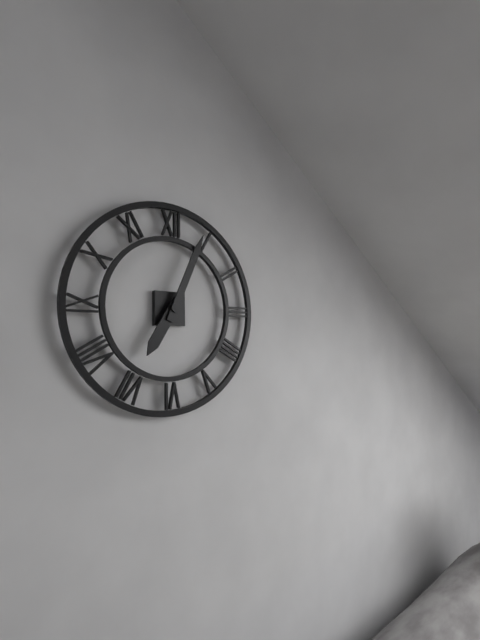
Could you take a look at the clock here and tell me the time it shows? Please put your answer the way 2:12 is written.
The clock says 7:04
